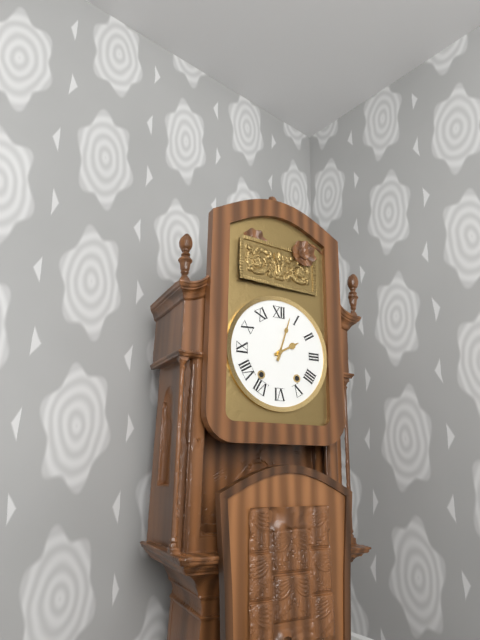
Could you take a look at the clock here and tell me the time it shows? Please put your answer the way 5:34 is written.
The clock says 2:03
